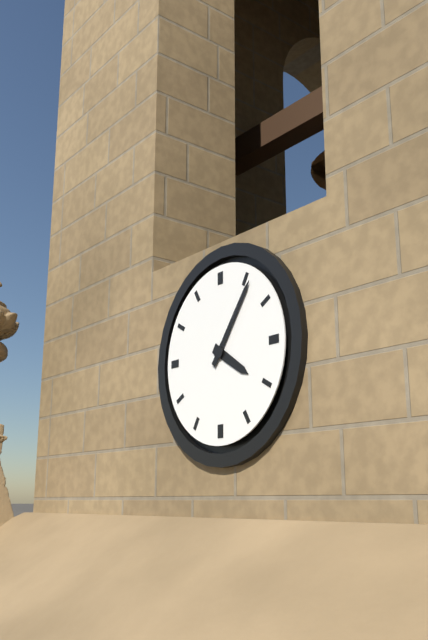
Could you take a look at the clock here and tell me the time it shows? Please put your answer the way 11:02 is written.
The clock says 4:06
